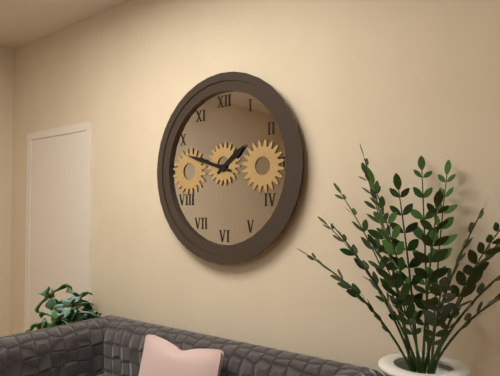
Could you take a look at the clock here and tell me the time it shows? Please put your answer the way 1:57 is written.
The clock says 1:48
